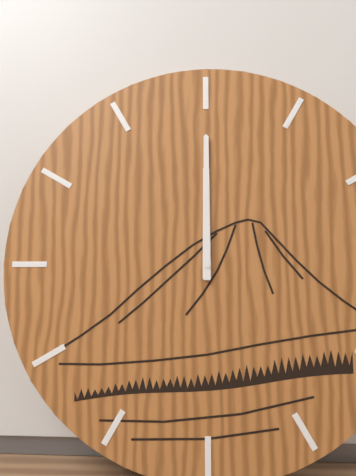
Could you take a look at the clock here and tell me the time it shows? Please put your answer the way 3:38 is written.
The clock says 12:00
